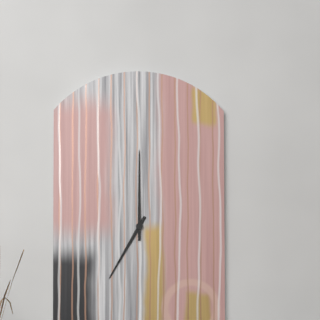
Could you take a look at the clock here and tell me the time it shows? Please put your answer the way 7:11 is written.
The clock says 7:00
